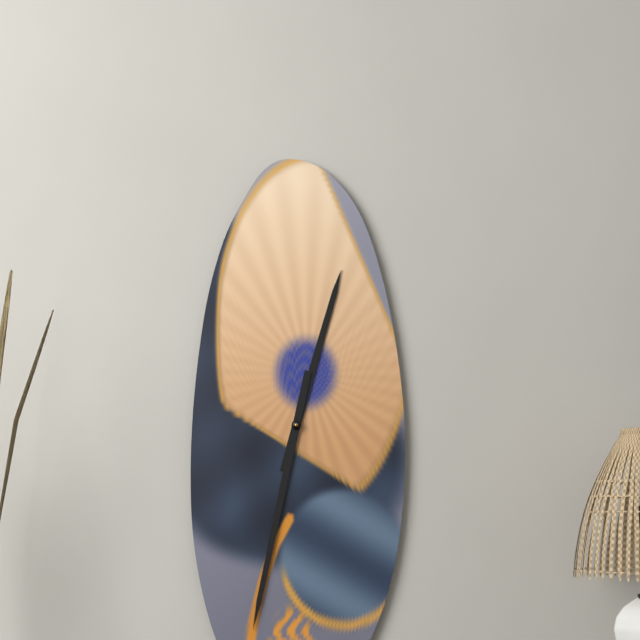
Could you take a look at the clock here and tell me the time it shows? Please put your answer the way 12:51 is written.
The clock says 12:32
